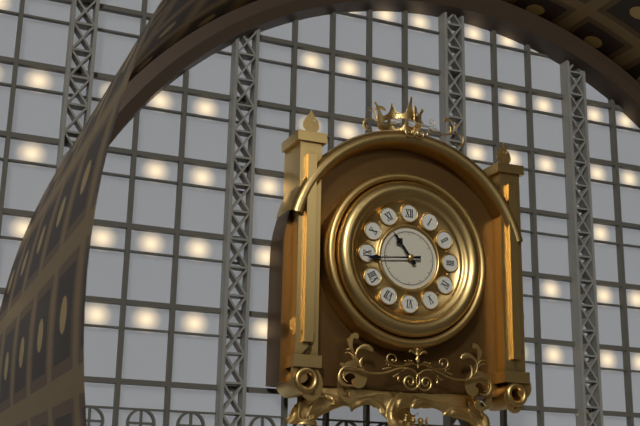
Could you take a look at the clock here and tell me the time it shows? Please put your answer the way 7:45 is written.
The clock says 10:44
